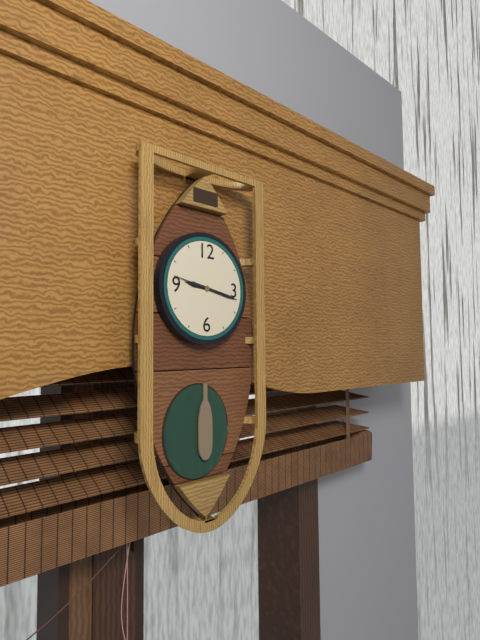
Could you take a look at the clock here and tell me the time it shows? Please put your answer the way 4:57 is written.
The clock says 9:17
